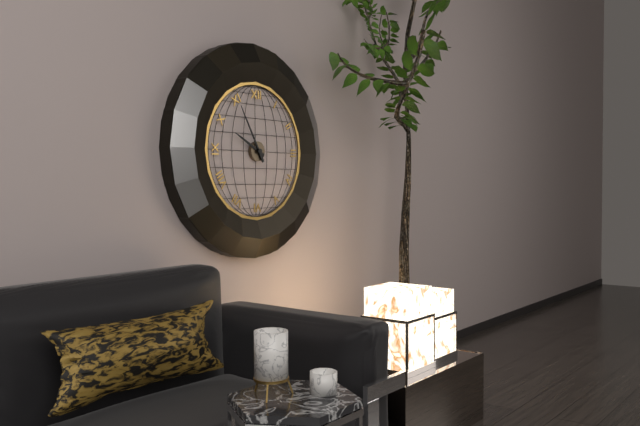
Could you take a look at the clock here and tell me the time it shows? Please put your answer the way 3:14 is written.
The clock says 9:55
